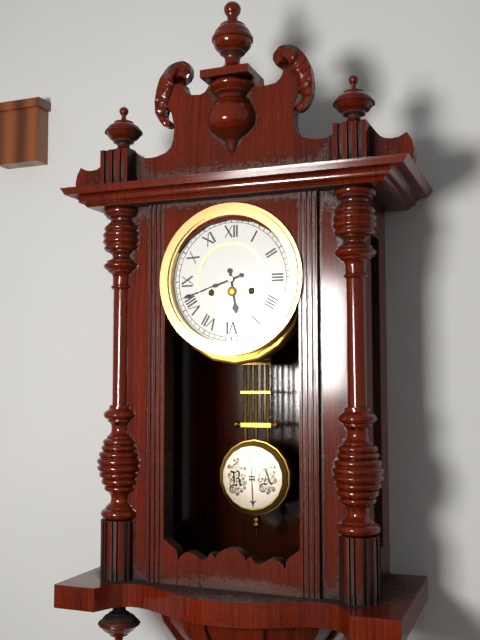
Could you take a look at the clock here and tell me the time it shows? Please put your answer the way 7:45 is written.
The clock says 5:42
